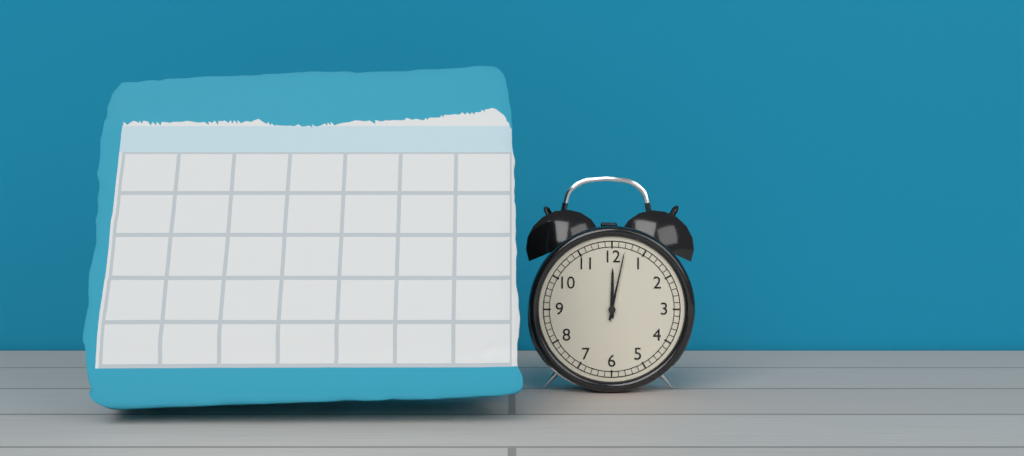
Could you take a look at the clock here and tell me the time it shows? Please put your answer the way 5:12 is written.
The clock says 12:02
